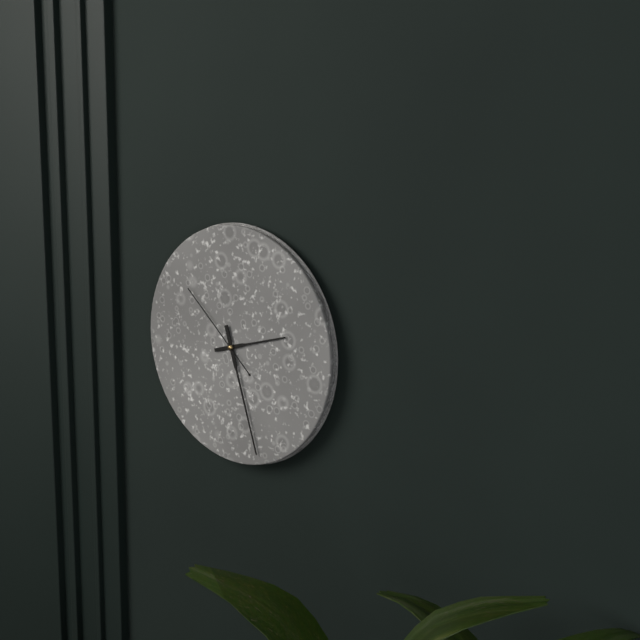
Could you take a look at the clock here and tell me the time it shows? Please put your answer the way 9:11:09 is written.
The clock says 2:27:52
